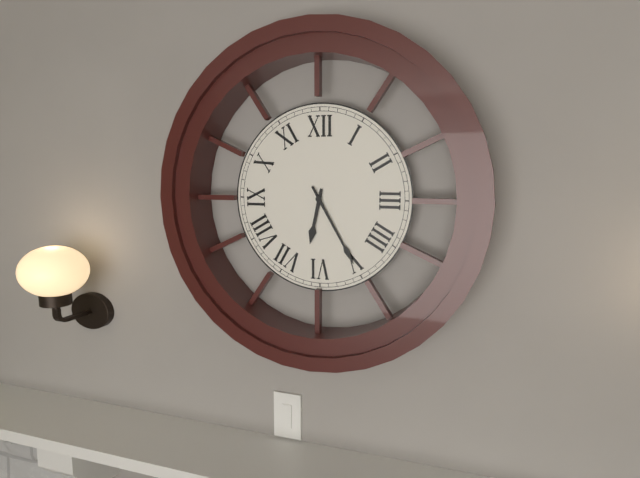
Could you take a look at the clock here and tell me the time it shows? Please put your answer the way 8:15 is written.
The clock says 6:25
